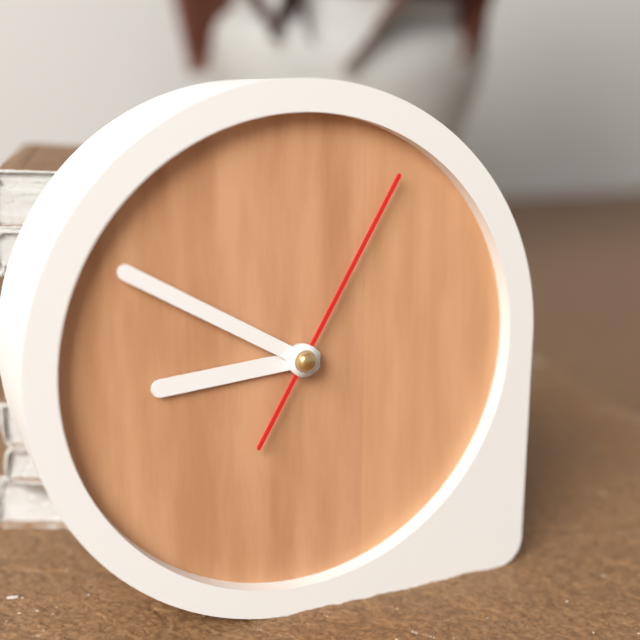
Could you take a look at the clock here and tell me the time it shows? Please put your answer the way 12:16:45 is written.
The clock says 8:50:05
